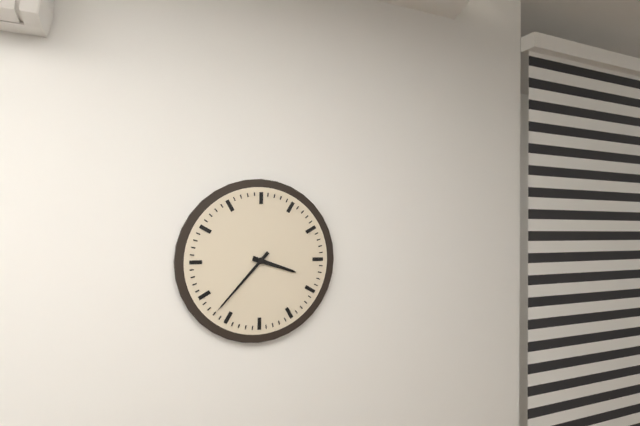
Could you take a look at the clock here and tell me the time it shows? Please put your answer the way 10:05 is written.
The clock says 3:37
